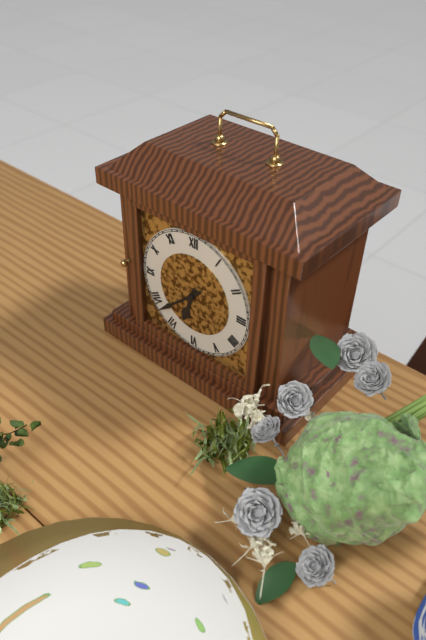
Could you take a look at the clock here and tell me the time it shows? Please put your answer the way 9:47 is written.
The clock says 6:38
